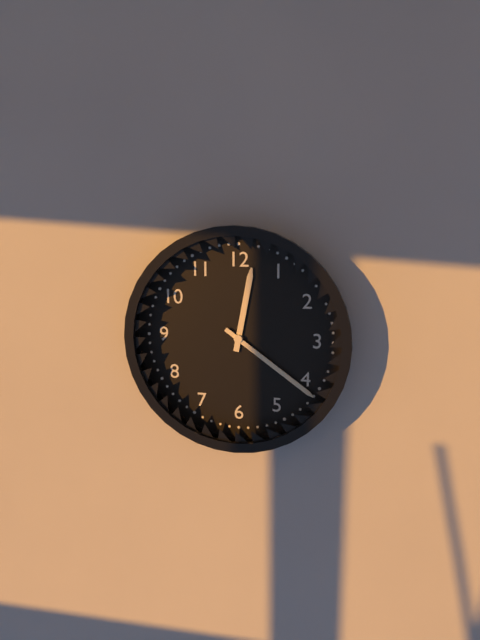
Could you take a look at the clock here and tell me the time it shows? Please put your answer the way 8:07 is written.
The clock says 12:21
